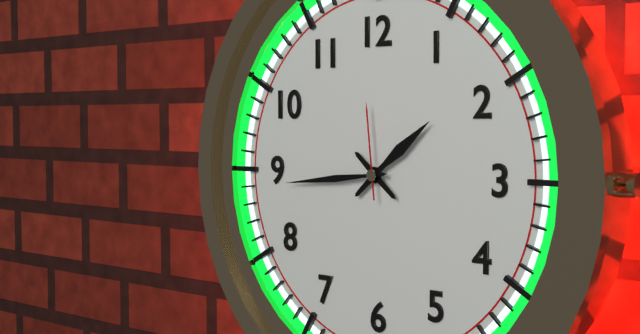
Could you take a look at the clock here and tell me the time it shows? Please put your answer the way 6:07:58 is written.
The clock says 1:44:59
